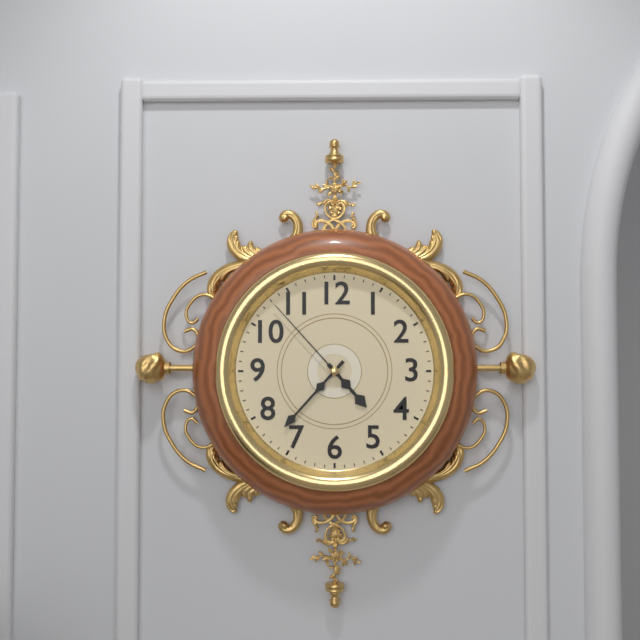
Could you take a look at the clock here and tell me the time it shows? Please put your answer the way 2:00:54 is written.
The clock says 4:37:53
